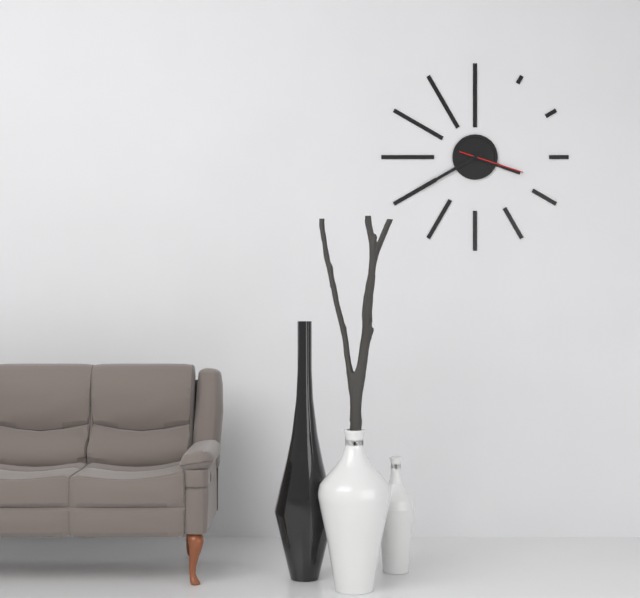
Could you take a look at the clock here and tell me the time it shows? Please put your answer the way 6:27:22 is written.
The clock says 3:40:18
